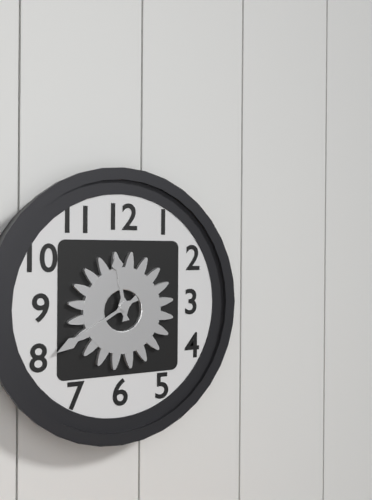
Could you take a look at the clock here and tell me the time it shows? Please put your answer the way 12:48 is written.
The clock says 11:40
